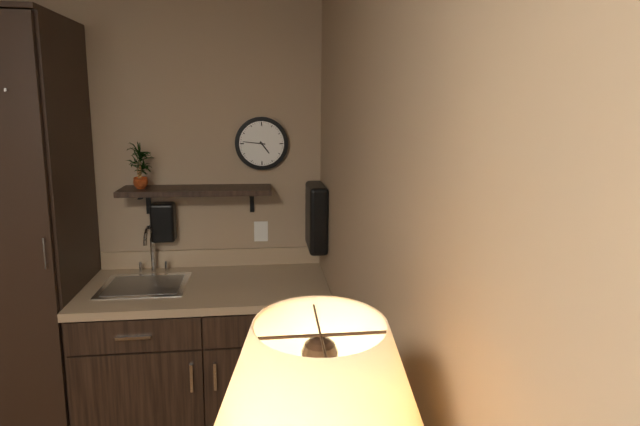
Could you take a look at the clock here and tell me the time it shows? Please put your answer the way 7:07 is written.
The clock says 4:46
